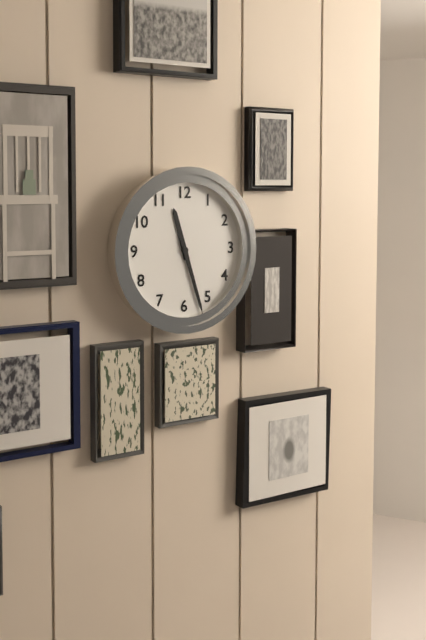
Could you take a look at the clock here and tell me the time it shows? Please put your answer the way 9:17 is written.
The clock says 11:27
